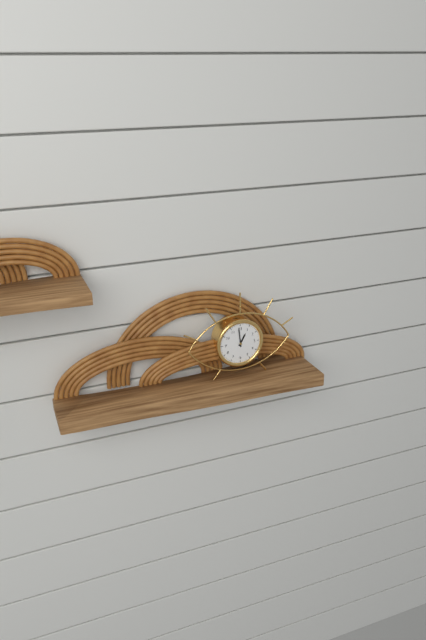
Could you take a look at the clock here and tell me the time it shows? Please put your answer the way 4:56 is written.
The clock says 12:59
